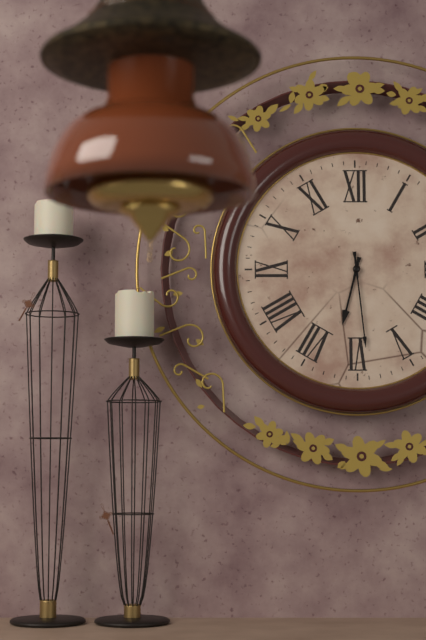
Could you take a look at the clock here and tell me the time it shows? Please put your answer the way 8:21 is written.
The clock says 6:29
